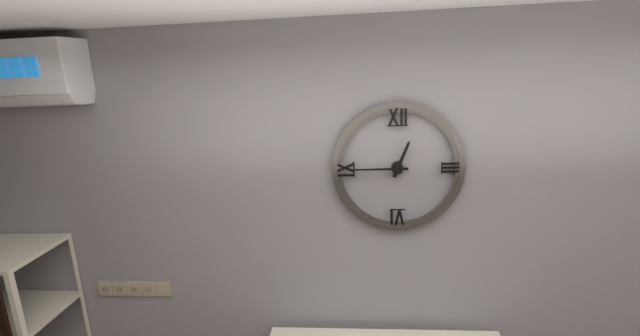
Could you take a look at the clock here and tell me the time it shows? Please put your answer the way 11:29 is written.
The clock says 12:45
